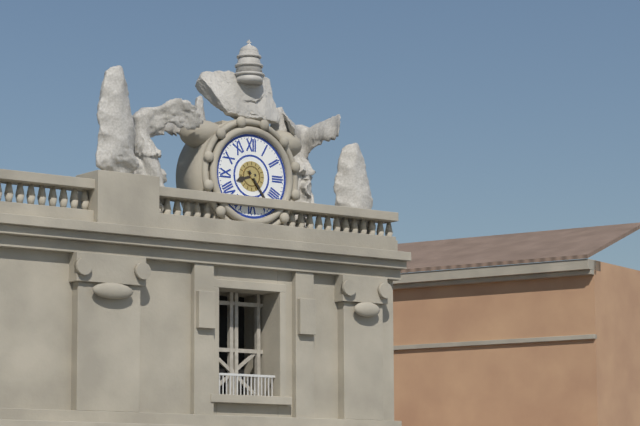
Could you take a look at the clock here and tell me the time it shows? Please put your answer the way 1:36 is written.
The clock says 8:24
